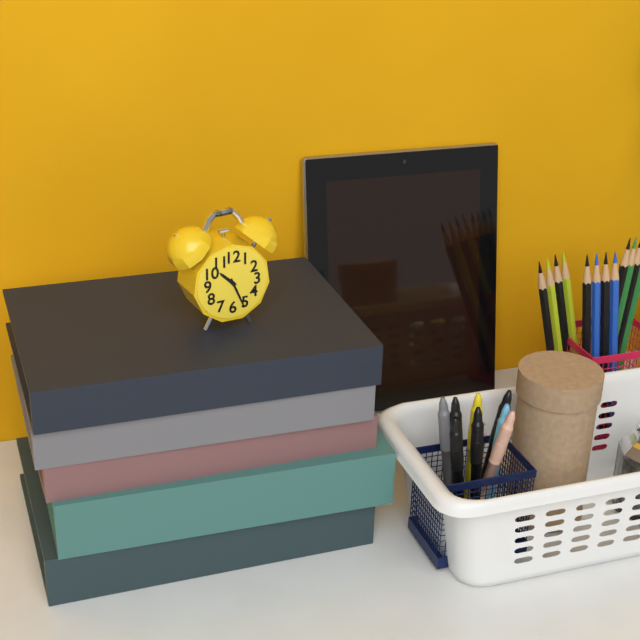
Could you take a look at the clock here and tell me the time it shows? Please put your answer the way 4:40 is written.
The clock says 10:26
